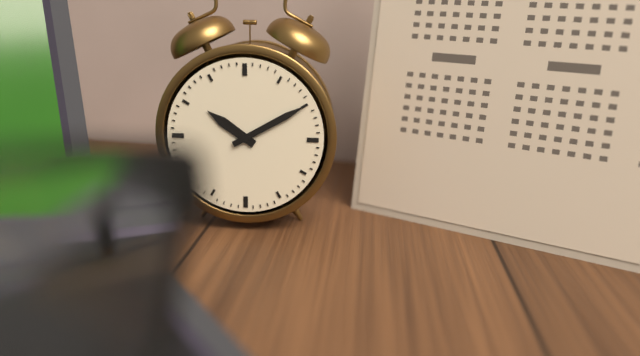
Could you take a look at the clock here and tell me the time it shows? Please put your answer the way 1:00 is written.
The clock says 10:10
